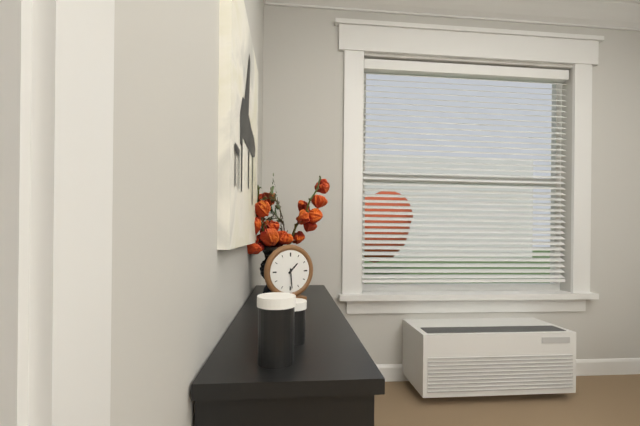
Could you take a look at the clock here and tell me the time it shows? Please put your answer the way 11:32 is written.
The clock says 1:29
